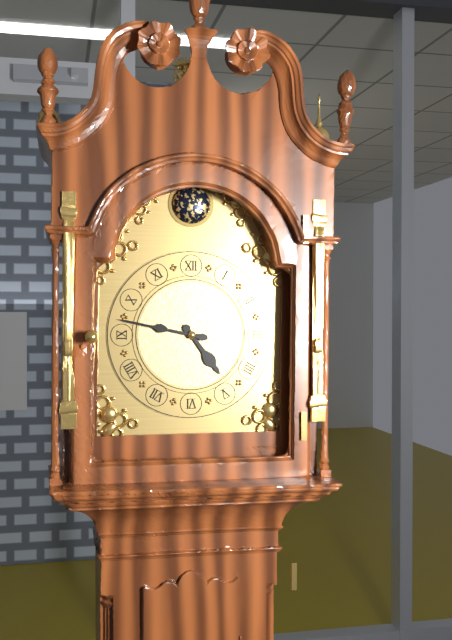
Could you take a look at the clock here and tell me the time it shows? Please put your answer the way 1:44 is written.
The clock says 4:47
